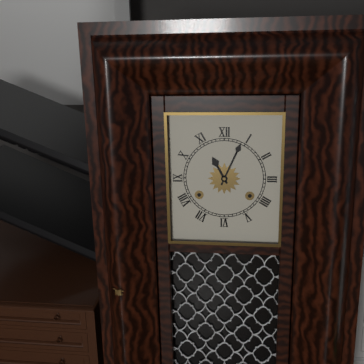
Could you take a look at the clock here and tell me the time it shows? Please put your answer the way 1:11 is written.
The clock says 11:04
